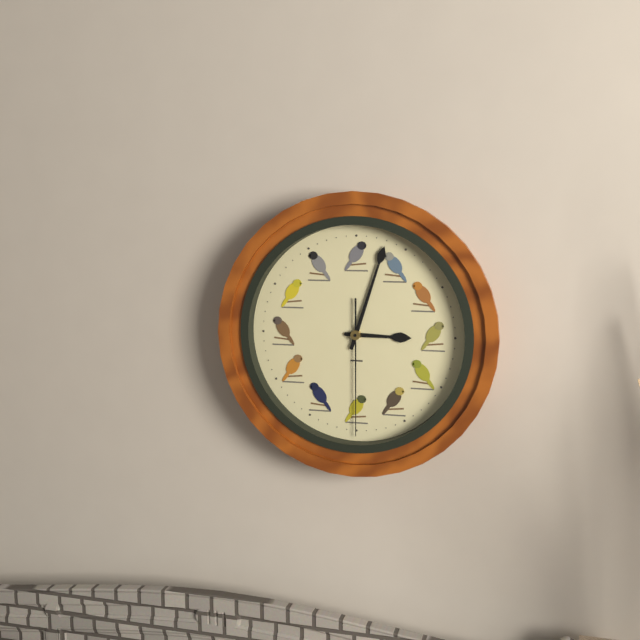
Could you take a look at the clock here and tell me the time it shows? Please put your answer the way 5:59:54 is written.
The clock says 3:03:30
